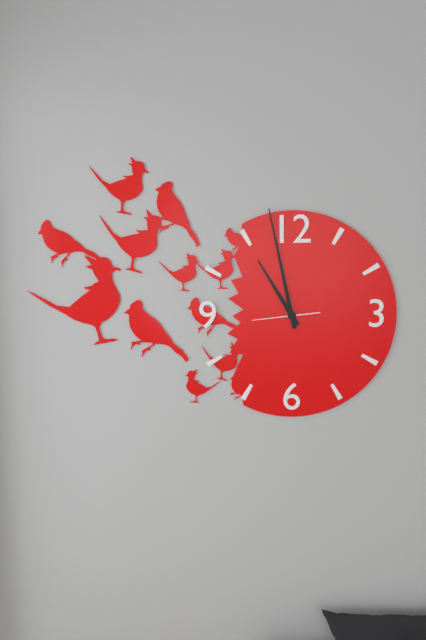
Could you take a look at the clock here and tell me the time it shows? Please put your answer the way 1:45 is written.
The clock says 10:58
